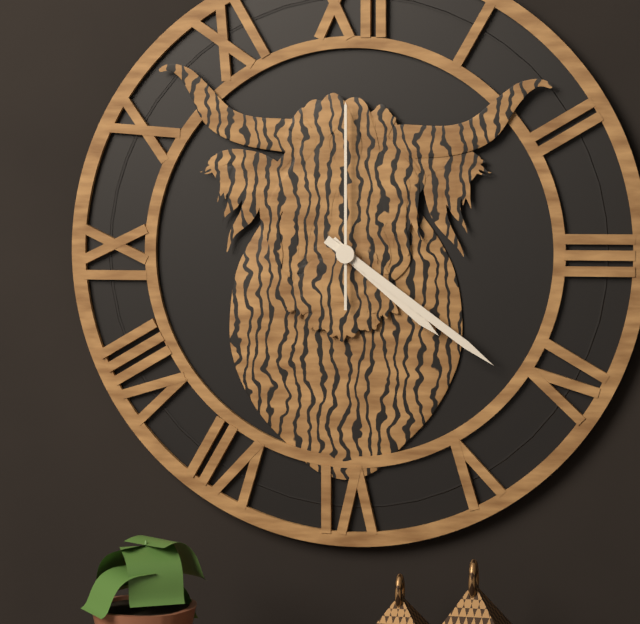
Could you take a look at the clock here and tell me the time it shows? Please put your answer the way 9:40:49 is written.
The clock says 4:21:00
